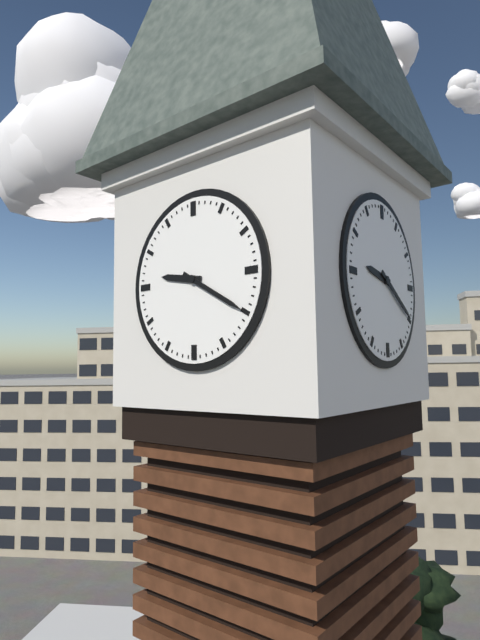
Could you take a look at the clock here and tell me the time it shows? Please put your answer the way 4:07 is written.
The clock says 9:20
